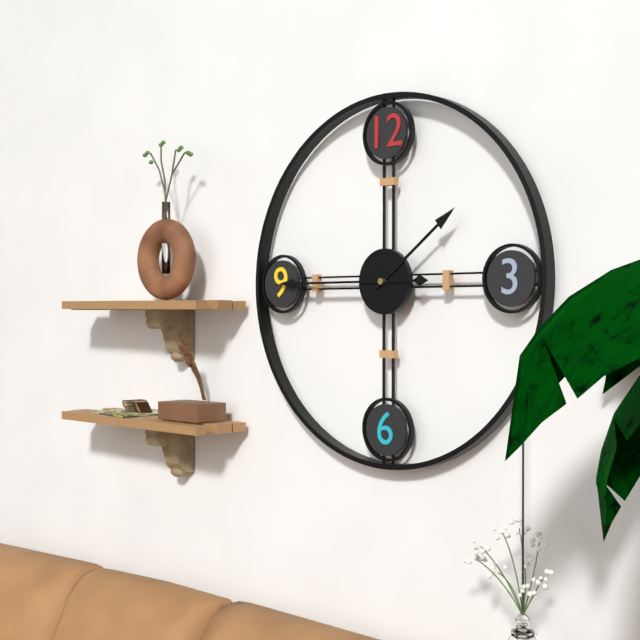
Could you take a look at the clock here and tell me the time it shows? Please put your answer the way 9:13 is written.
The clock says 1:45
